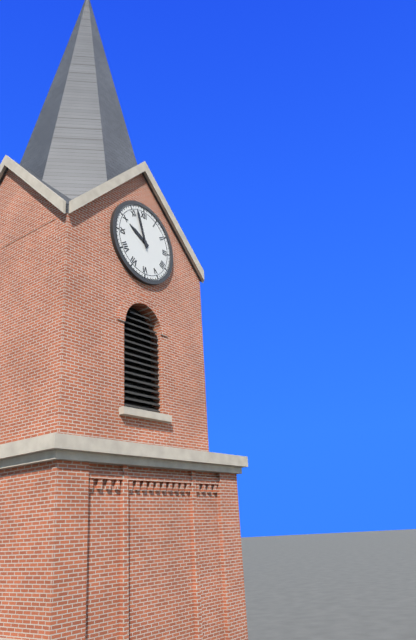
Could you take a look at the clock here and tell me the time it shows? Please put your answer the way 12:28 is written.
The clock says 9:57
